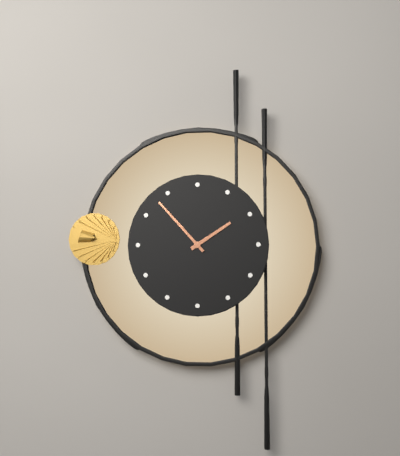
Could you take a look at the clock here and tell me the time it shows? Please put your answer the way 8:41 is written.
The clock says 1:53
